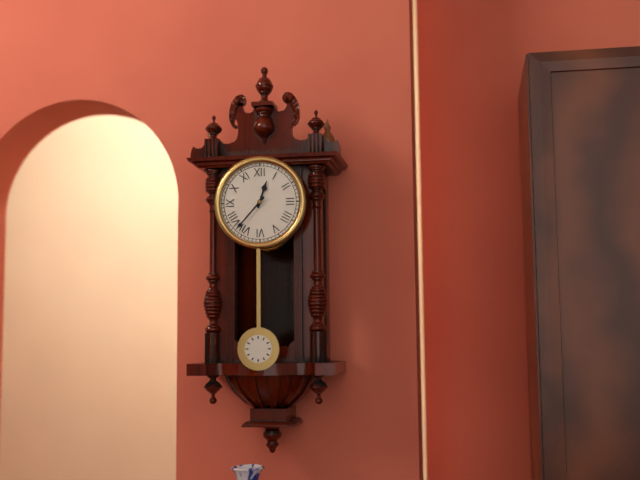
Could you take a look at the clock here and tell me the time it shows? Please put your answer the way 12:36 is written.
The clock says 12:37
